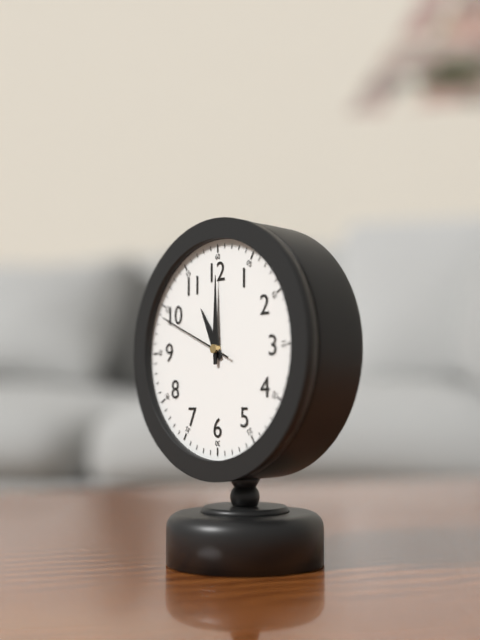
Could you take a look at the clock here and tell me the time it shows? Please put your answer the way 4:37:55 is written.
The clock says 11:00:49
